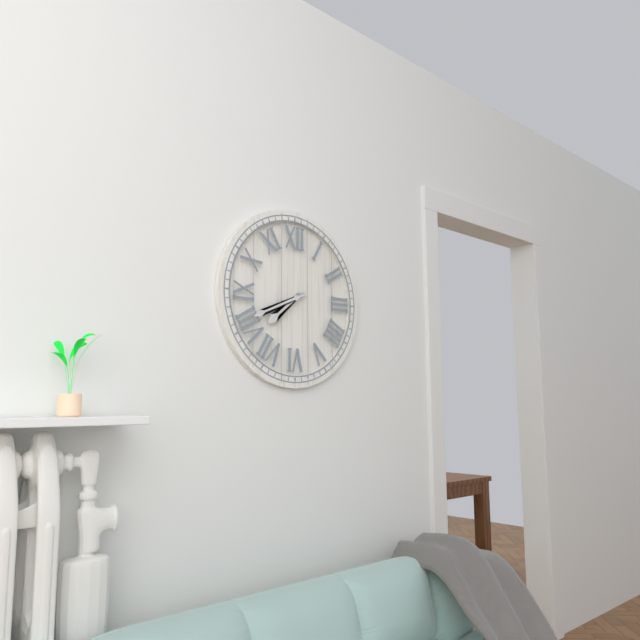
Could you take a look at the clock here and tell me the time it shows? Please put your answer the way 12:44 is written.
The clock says 7:41
